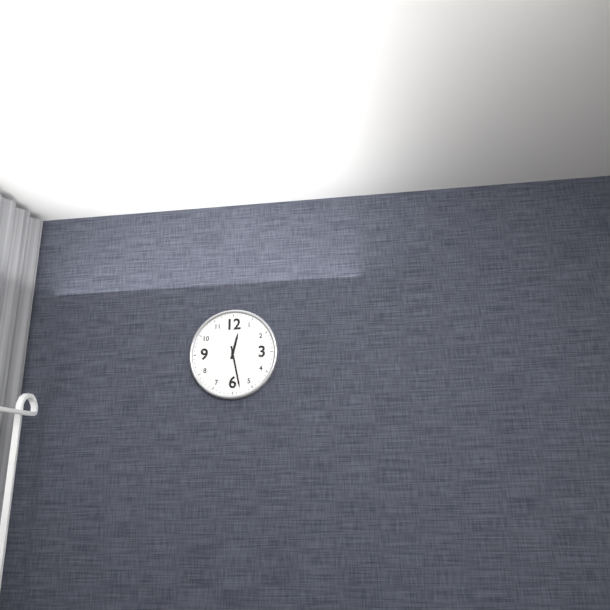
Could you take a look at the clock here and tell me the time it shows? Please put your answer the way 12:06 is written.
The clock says 12:28
